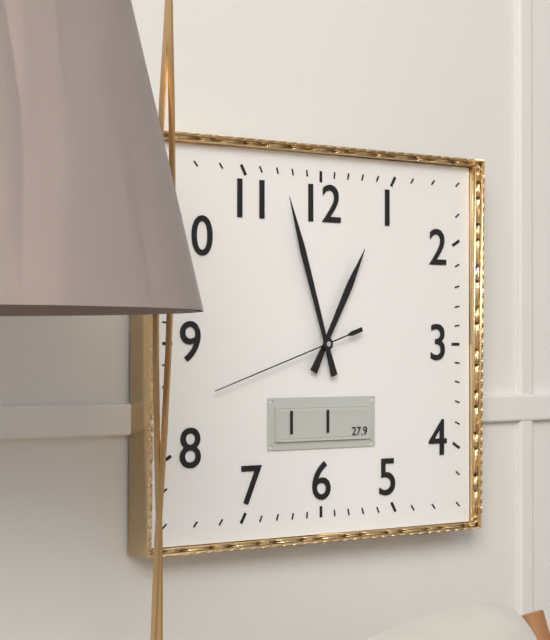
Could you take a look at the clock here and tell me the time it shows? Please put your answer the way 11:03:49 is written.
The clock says 12:57:42
